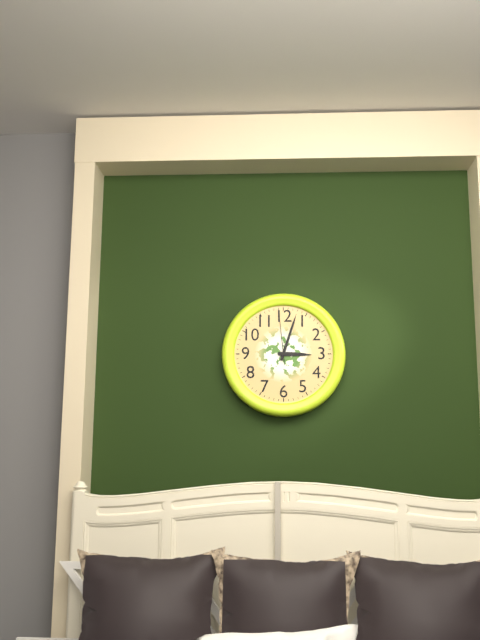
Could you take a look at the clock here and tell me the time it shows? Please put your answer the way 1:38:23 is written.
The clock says 3:03:59
